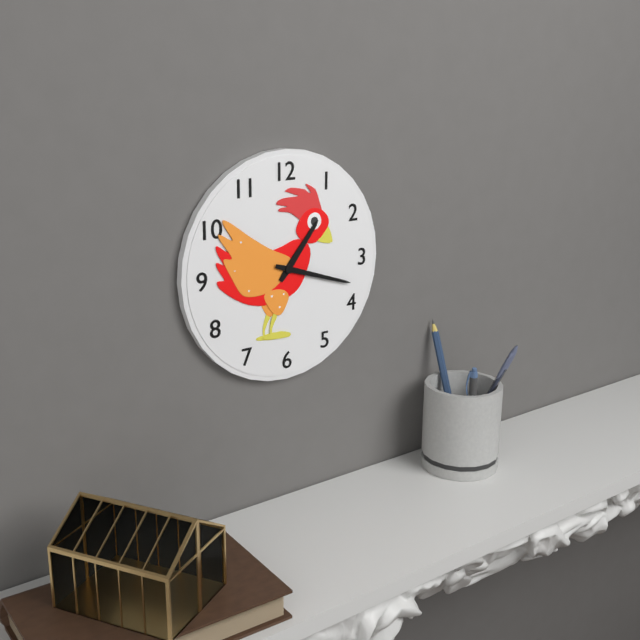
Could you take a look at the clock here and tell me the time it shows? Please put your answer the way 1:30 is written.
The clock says 1:18
